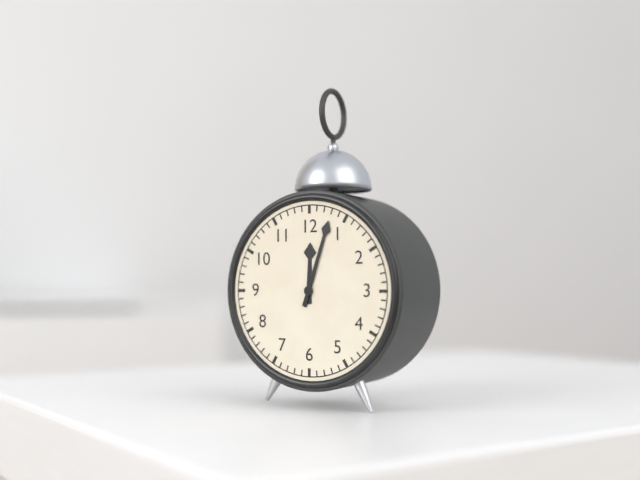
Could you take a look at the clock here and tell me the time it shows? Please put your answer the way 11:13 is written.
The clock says 12:03
